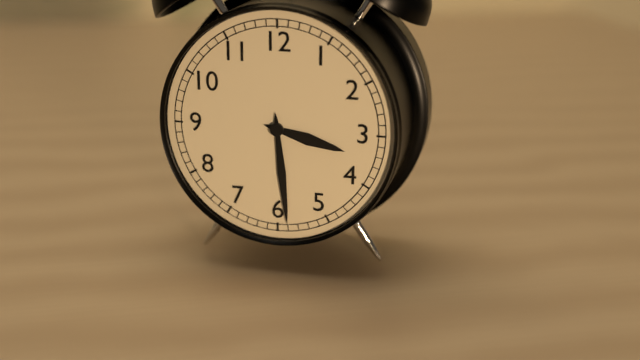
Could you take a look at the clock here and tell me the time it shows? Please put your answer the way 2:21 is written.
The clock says 3:29
